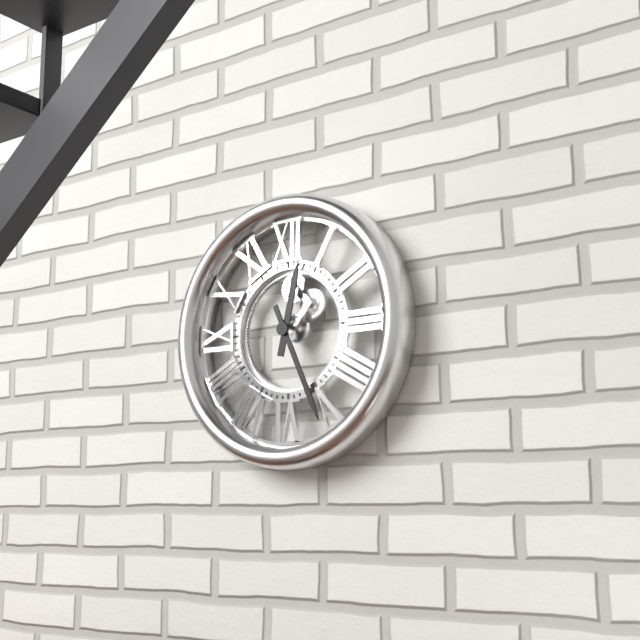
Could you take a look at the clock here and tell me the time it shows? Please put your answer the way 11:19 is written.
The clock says 12:26
